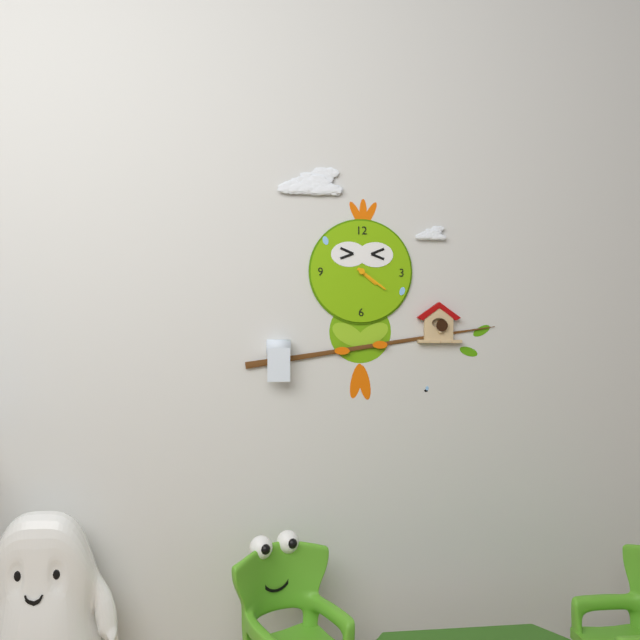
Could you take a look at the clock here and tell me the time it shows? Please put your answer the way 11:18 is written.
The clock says 4:21
